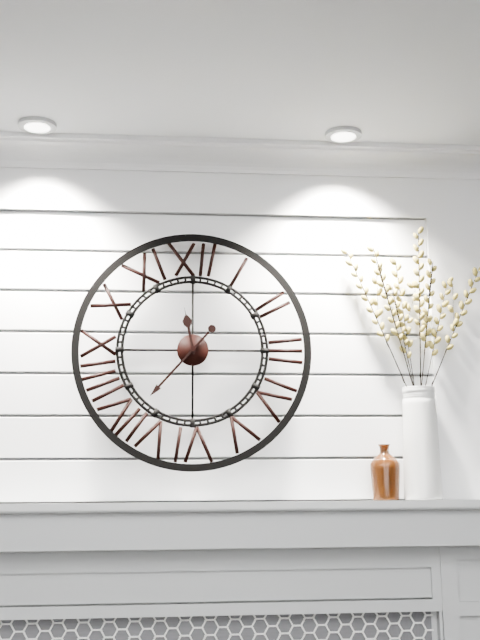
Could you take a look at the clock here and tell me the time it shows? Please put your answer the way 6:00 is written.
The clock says 11:37
